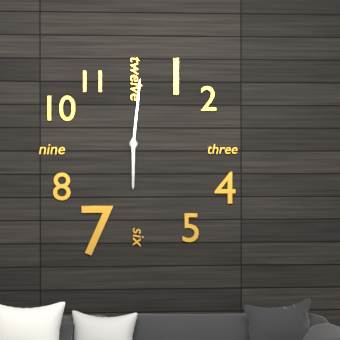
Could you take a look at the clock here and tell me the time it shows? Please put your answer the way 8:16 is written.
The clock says 6:01
